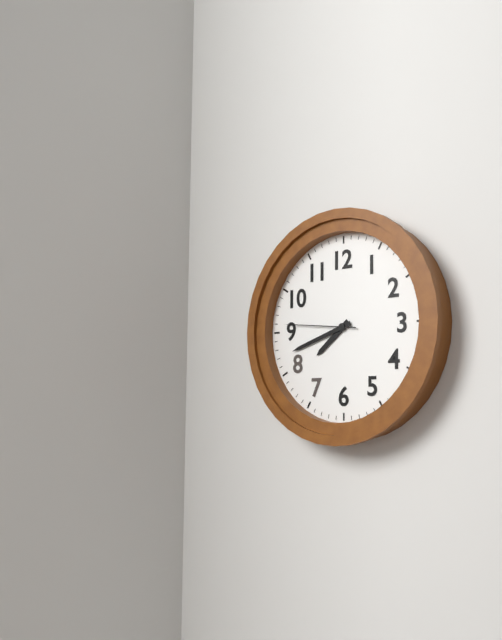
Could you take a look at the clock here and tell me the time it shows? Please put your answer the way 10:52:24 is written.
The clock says 7:42:46
